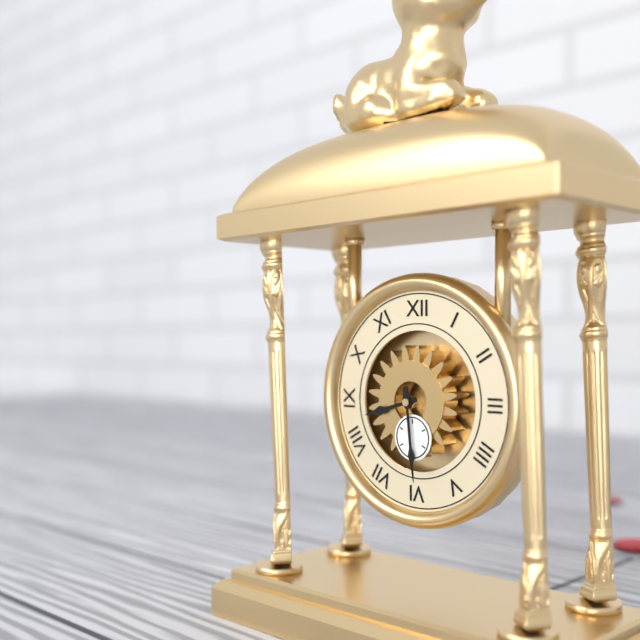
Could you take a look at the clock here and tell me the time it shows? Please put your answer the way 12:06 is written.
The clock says 8:29
